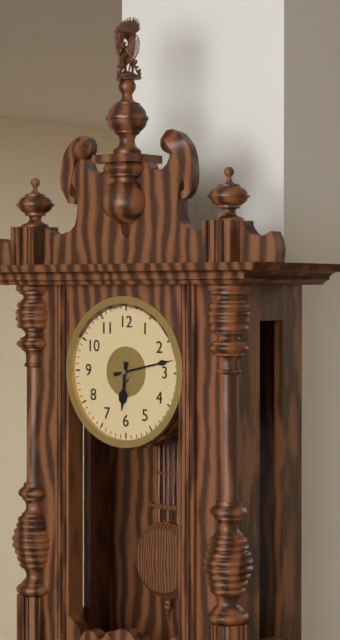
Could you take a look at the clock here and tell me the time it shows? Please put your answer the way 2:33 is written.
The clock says 6:13
